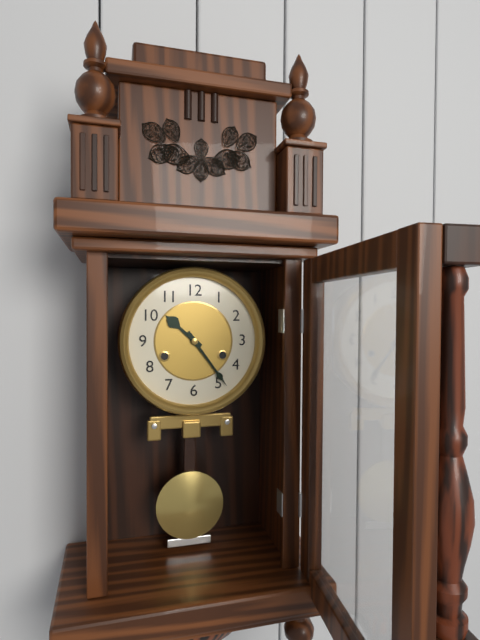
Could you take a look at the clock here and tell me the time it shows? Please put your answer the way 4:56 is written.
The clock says 10:24
